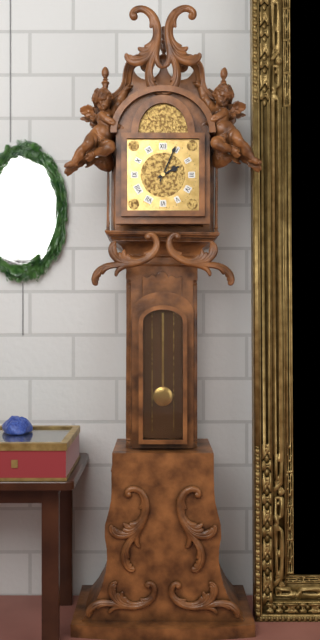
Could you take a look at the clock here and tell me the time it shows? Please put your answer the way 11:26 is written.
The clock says 2:04
